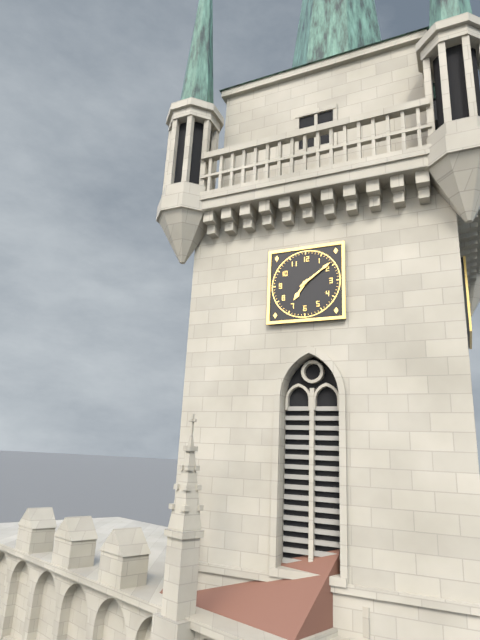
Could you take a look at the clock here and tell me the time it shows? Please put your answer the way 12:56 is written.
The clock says 7:09
